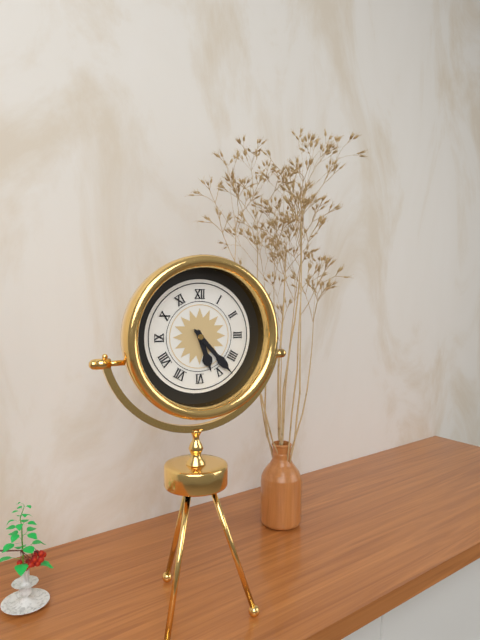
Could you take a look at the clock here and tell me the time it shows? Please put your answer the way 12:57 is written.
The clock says 5:23
